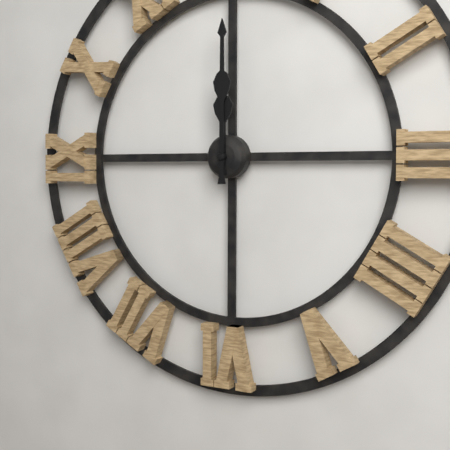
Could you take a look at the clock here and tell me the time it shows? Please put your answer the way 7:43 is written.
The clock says 12:00
